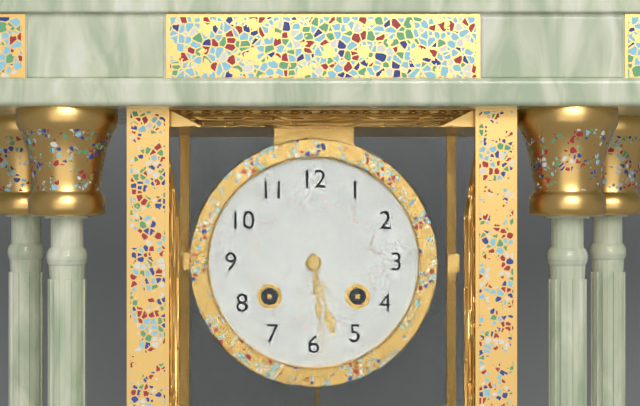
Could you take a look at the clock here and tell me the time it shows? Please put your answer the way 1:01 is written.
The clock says 5:29
